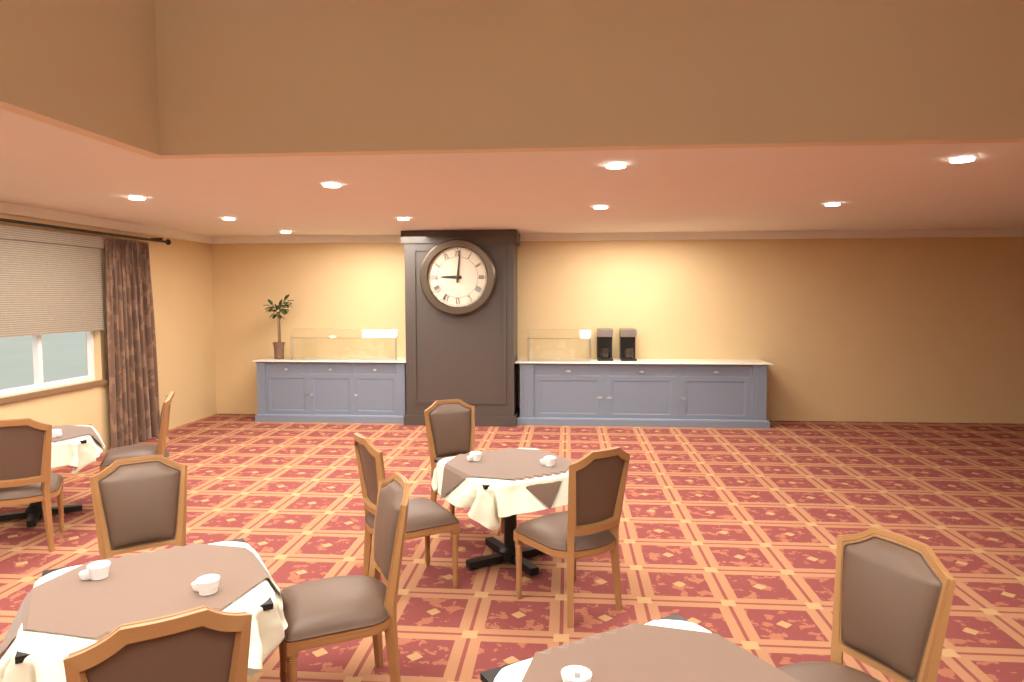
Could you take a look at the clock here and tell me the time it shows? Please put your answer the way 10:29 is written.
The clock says 9:01
